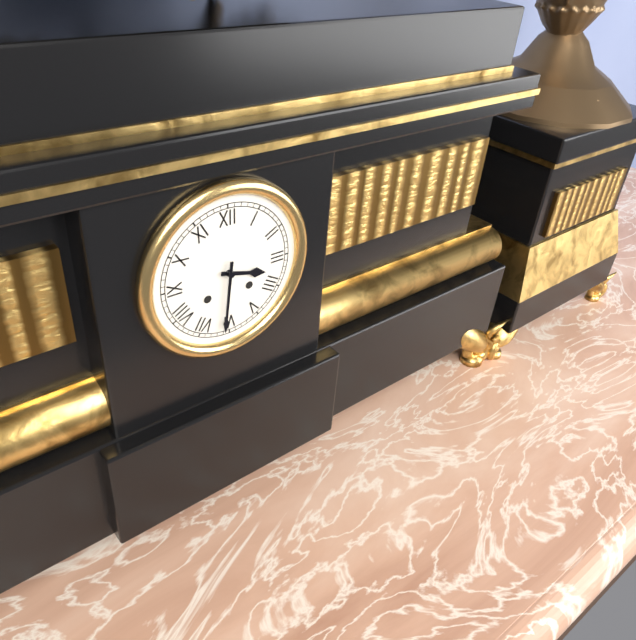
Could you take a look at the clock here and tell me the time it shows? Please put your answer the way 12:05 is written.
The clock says 3:31
